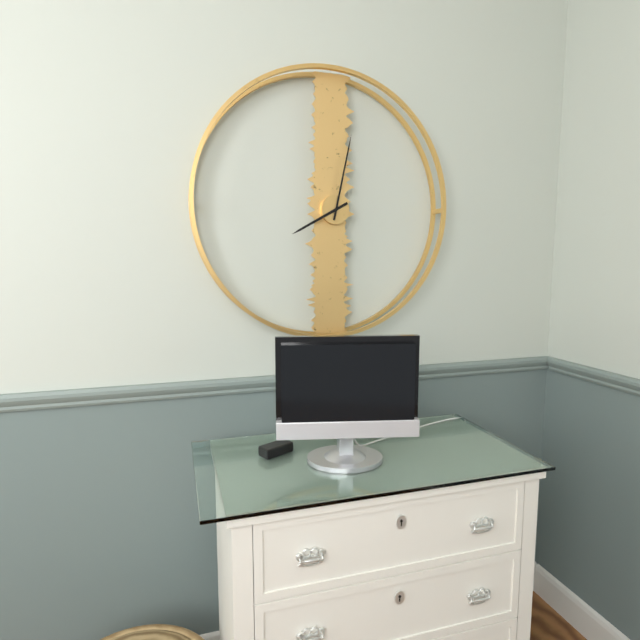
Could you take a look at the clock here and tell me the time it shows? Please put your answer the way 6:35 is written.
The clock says 8:02
